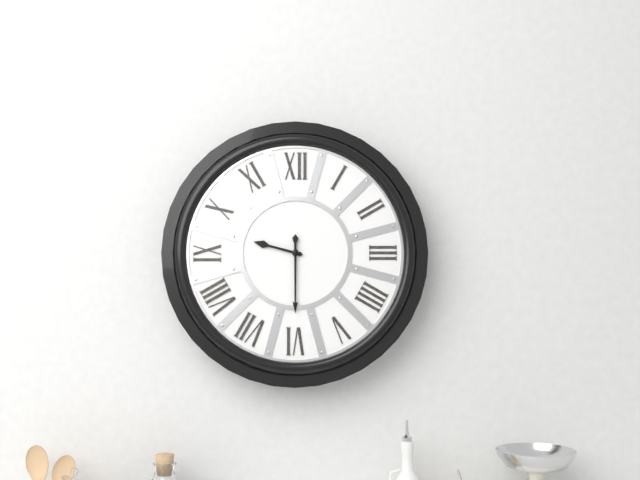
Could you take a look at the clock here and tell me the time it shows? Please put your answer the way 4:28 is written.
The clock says 9:30
